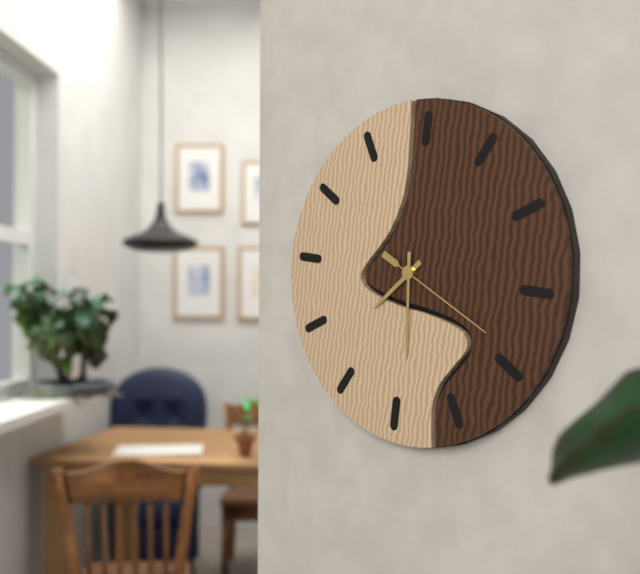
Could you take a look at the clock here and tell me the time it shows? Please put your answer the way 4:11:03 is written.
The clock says 7:29:19
